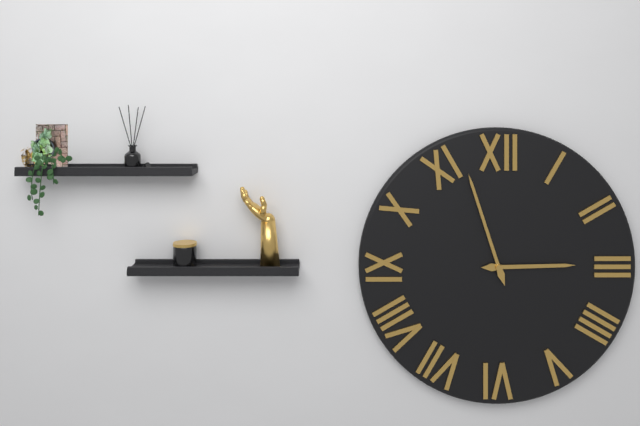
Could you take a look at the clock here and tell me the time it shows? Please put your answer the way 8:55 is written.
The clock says 2:57
